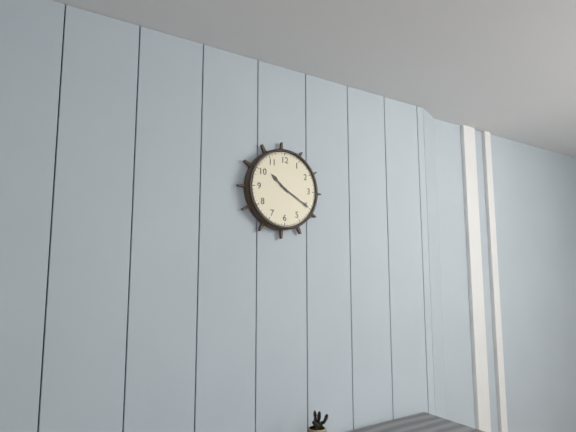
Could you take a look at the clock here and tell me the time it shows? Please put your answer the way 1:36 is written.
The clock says 10:20
